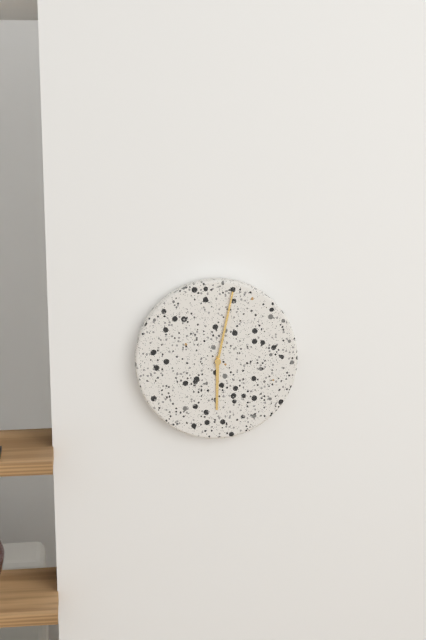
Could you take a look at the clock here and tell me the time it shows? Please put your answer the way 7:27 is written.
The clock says 6:02
